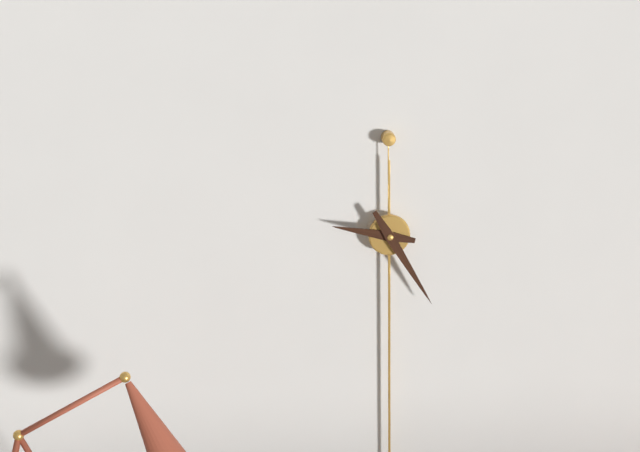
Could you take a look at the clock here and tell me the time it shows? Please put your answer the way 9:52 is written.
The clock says 9:25
